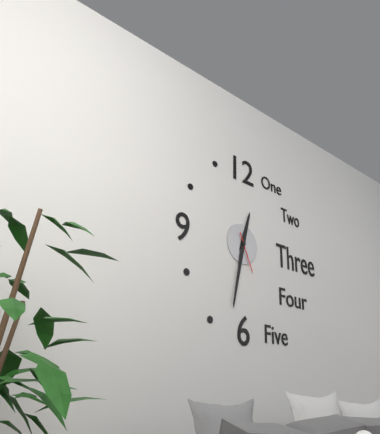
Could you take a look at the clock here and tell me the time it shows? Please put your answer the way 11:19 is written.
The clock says 12:32
